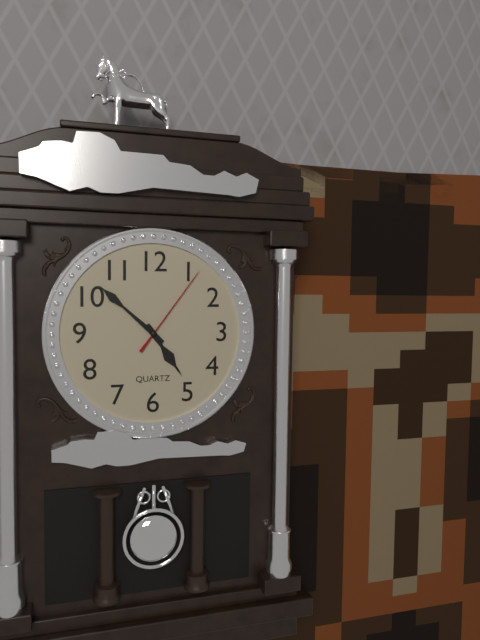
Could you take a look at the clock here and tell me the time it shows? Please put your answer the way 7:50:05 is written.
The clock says 4:52:06
